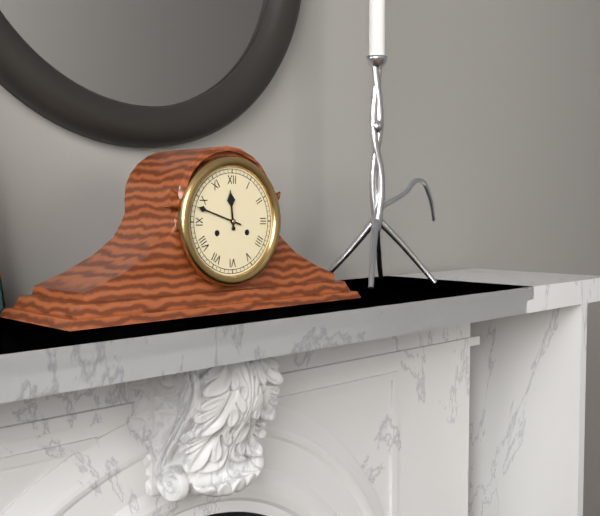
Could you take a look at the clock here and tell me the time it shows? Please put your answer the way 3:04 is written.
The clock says 11:48
